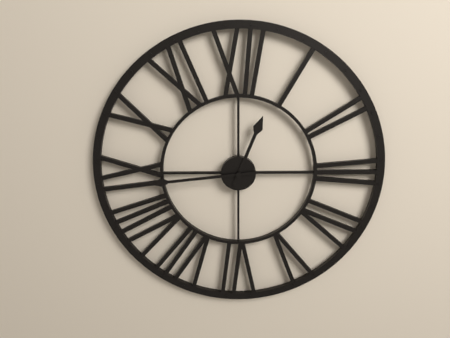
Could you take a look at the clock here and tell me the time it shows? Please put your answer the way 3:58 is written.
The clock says 12:44
